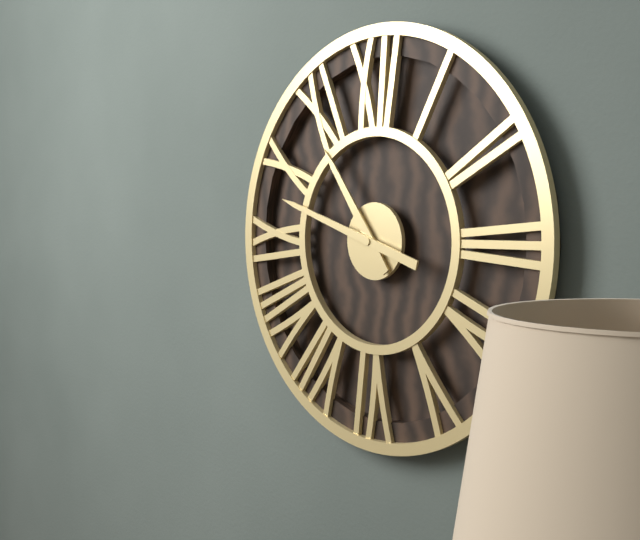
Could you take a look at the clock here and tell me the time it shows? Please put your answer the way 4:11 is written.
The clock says 10:48
